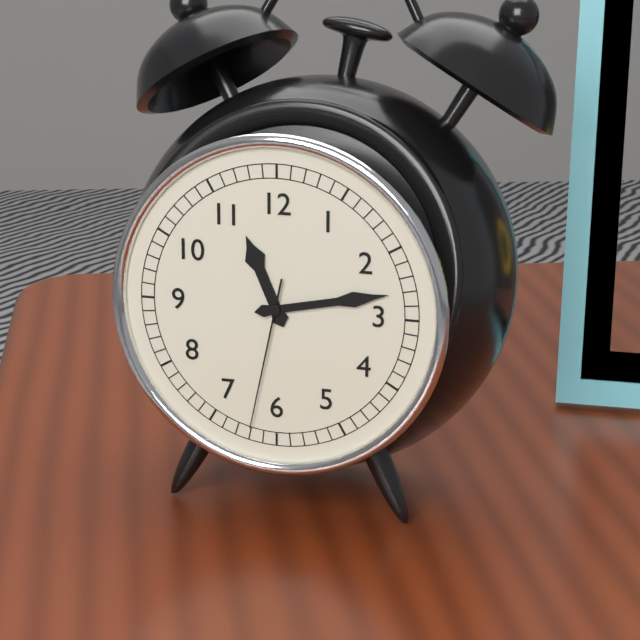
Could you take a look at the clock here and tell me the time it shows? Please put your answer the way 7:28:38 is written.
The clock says 11:13:32
